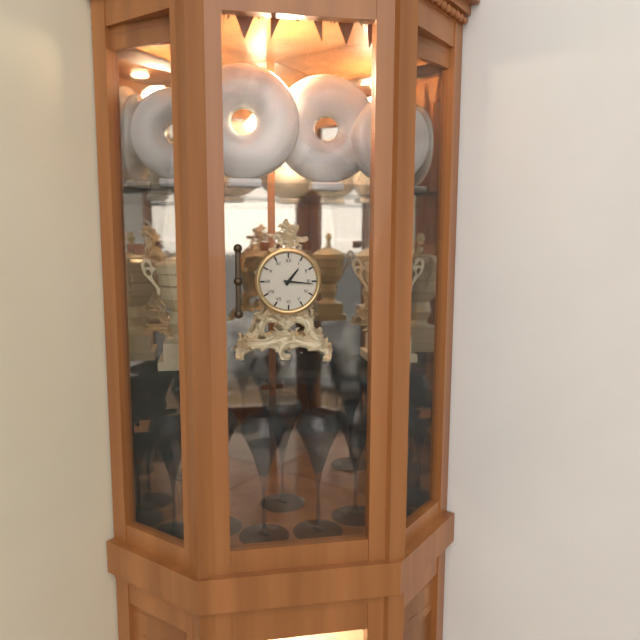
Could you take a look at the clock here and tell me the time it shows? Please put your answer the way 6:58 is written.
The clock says 1:16
